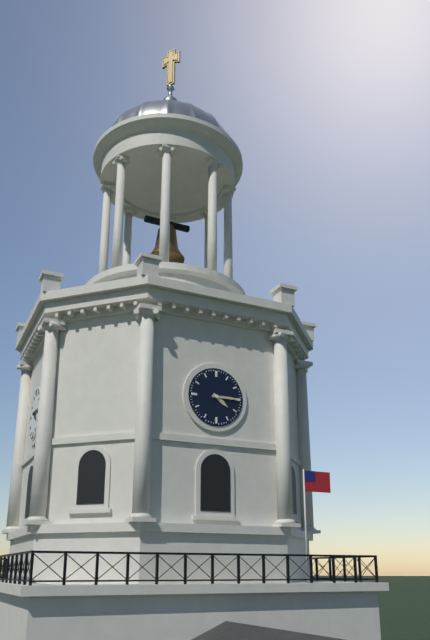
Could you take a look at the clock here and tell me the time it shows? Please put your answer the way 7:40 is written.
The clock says 4:15
